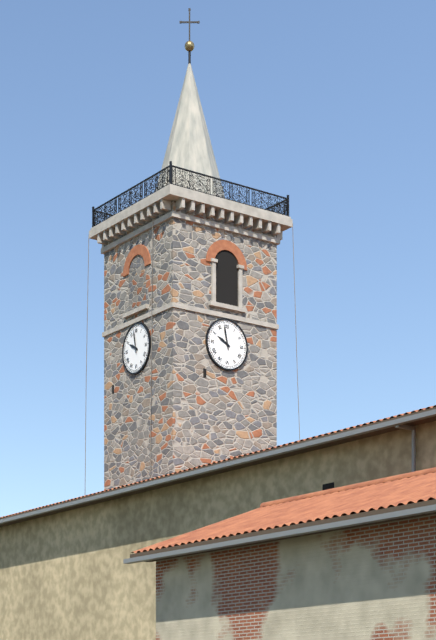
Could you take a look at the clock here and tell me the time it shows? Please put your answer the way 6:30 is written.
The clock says 9:58
